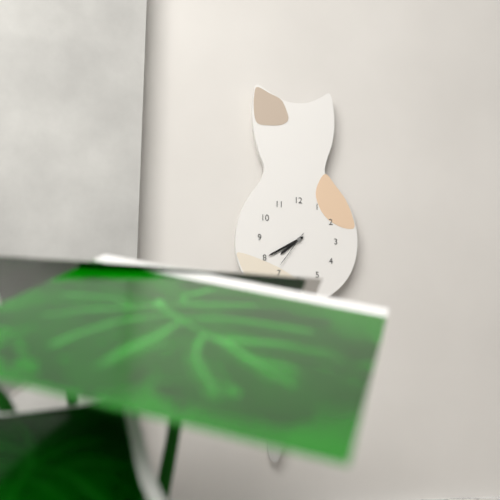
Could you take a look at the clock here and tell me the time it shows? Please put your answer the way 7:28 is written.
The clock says 7:40
